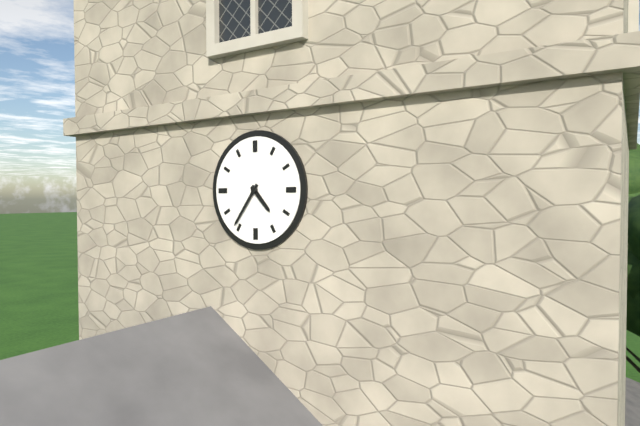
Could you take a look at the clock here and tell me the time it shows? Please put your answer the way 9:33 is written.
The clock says 4:36
